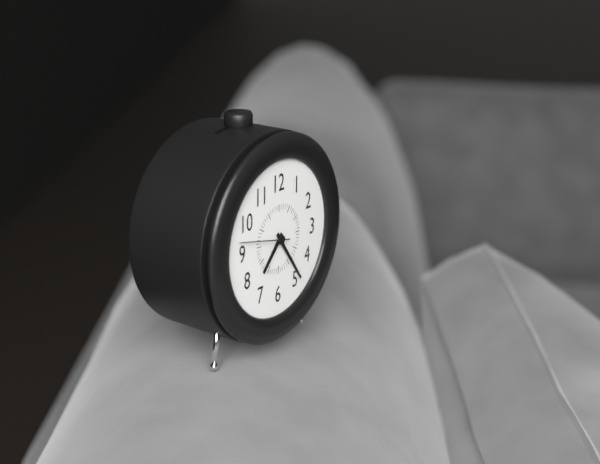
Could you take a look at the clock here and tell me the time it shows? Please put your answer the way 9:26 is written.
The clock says 7:24
